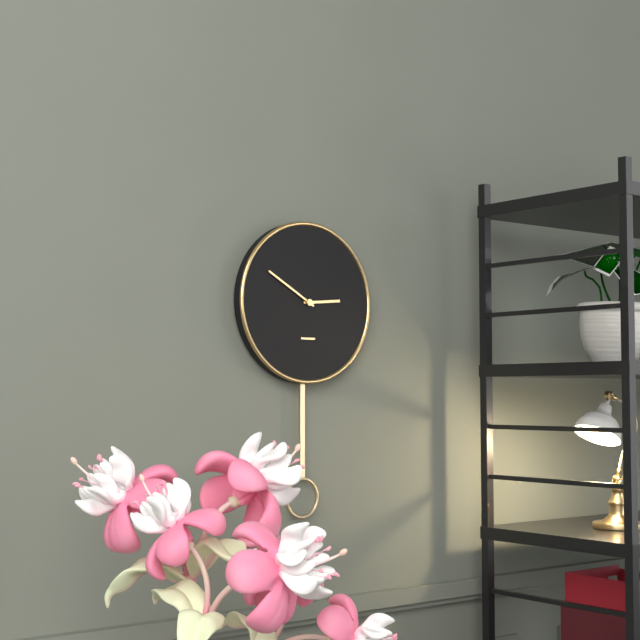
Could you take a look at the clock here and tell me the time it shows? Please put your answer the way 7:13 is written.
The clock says 2:50
